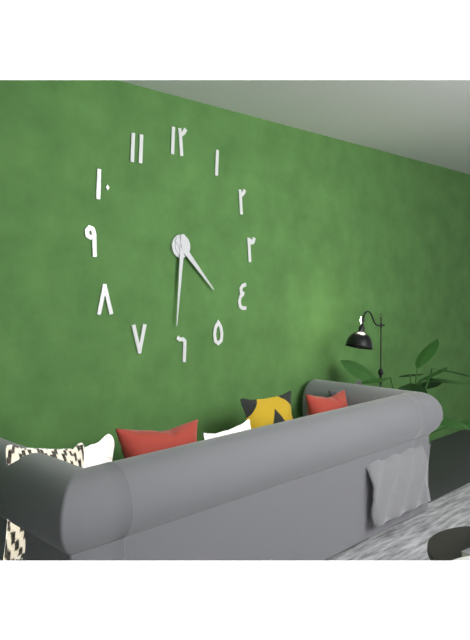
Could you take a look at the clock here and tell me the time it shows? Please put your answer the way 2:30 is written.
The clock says 4:31
